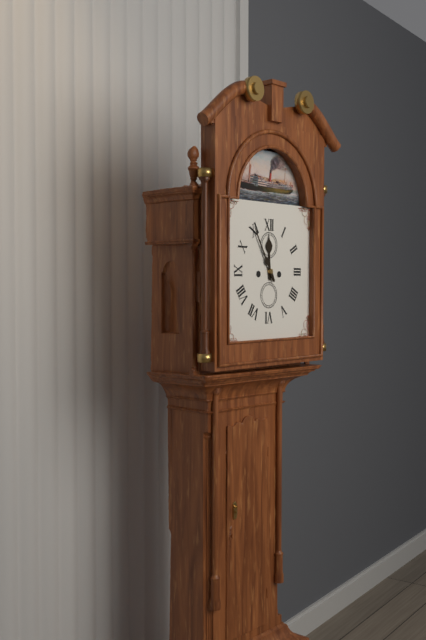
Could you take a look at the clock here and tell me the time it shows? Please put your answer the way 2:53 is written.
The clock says 11:55
